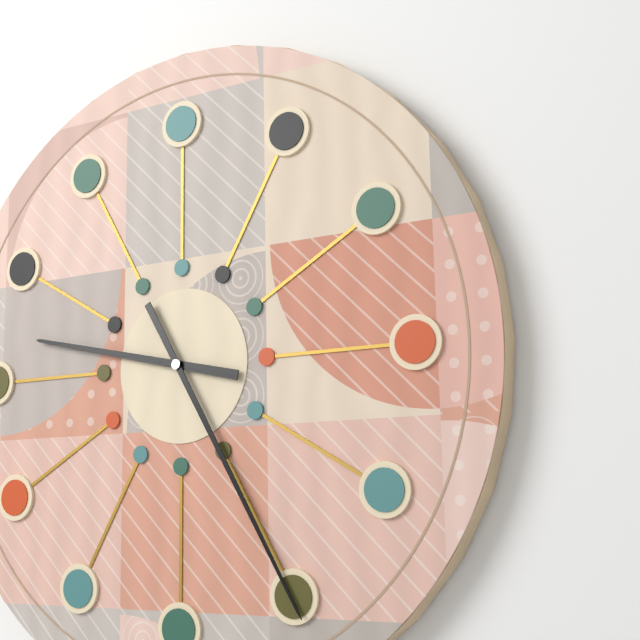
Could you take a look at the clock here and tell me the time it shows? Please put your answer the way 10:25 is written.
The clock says 9:25
